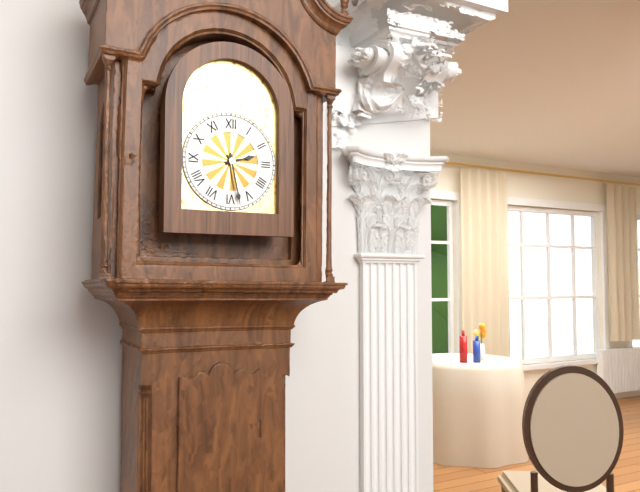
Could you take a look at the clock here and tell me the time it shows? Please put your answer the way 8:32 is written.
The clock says 2:28
